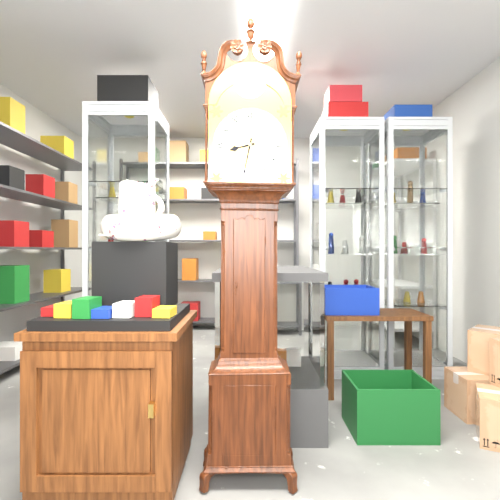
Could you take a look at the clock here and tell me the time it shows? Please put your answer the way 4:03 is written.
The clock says 8:32
